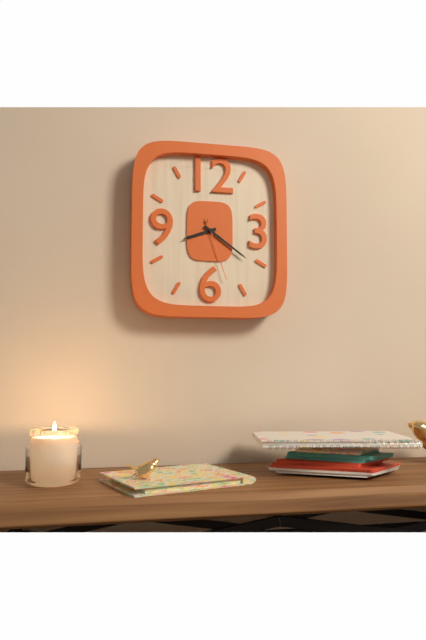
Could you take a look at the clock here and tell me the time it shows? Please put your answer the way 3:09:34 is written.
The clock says 8:21:27
